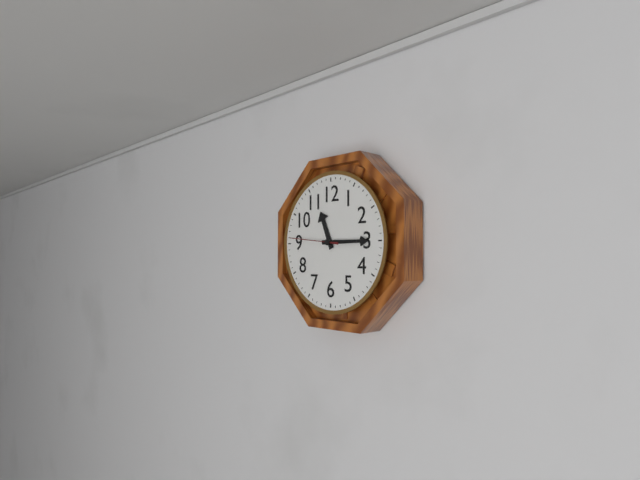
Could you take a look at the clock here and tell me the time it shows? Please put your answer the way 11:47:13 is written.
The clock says 11:15:46
